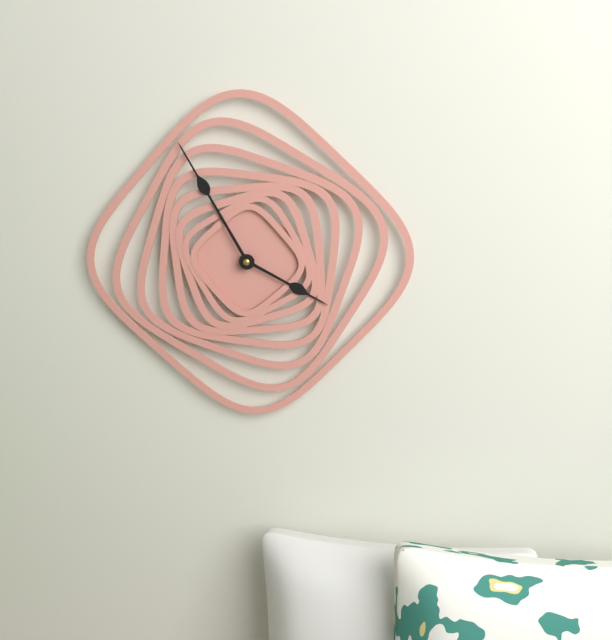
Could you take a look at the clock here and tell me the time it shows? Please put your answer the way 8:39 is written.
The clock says 3:55
